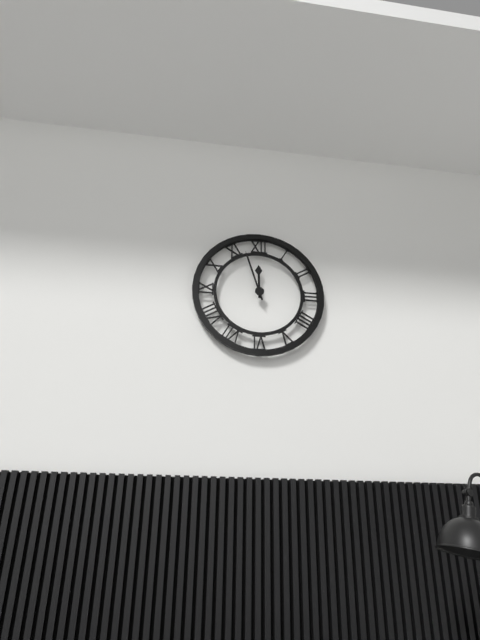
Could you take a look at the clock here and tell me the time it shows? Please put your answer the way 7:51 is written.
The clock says 11:57
